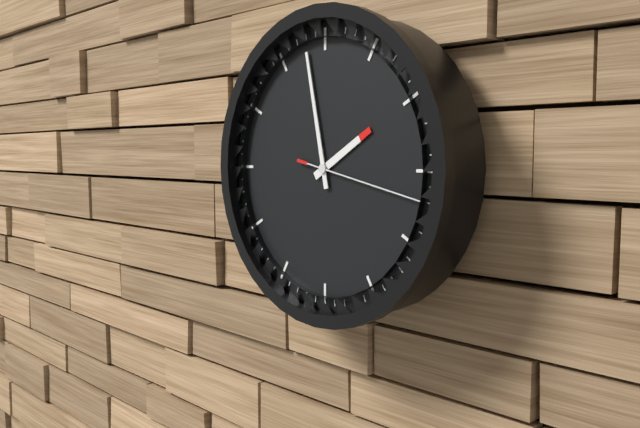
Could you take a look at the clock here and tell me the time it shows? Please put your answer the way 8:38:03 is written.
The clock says 1:58:17
